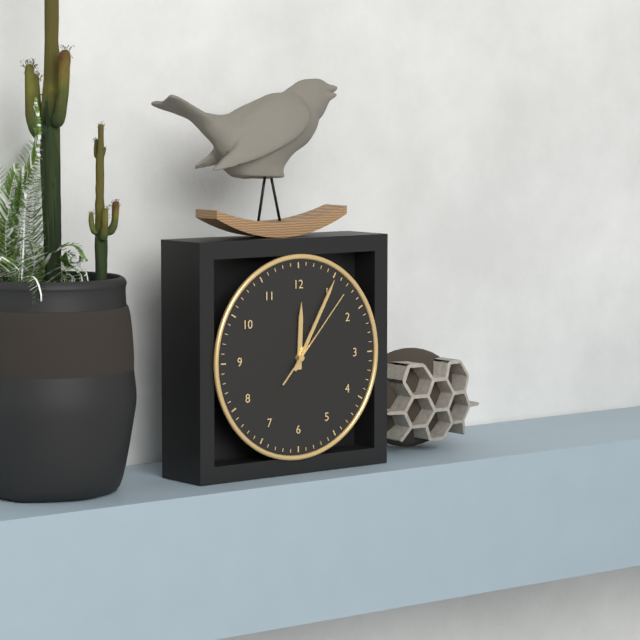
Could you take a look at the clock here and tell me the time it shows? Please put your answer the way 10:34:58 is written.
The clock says 12:05:07
